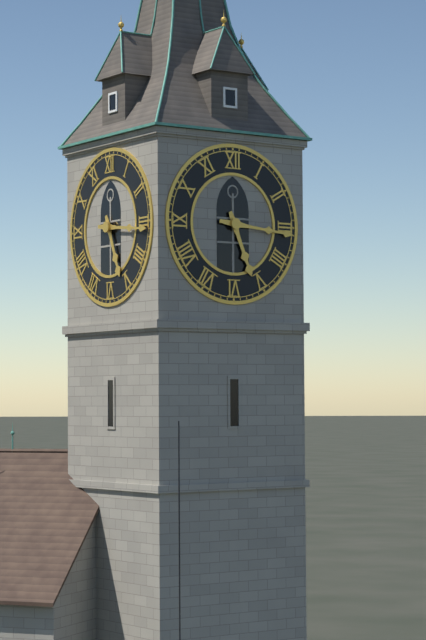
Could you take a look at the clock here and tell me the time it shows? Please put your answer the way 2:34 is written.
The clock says 5:16
